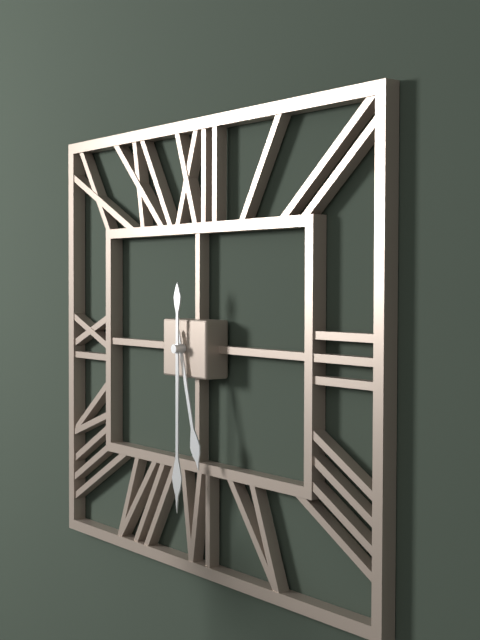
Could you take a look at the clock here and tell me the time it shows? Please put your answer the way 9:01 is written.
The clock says 5:30
